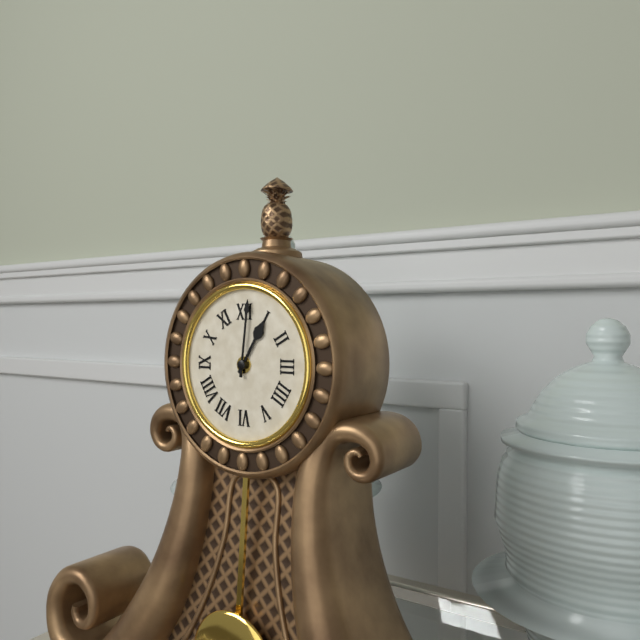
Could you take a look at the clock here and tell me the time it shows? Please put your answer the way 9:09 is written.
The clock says 1:01
